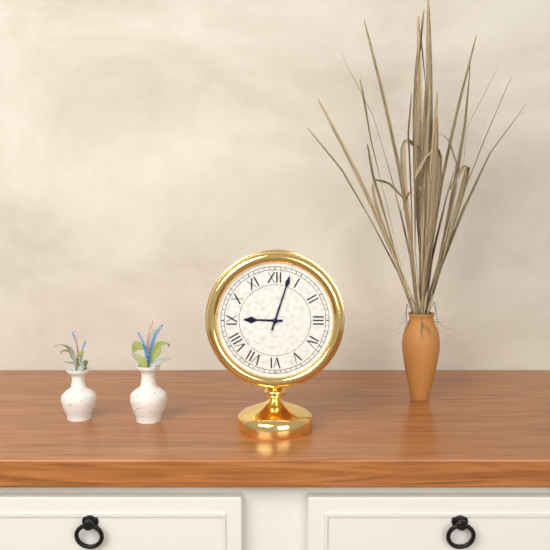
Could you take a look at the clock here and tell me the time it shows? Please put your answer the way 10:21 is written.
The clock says 9:03
